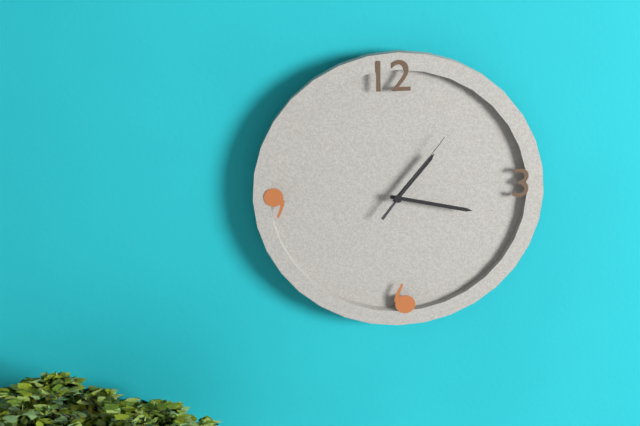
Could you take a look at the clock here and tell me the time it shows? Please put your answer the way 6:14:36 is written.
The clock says 1:17:06
